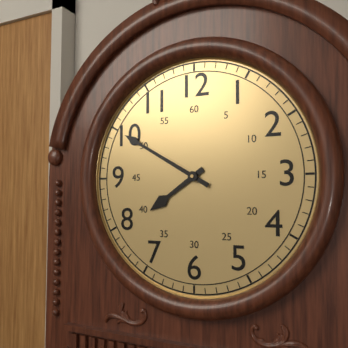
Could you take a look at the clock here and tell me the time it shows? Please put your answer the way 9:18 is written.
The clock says 7:50
